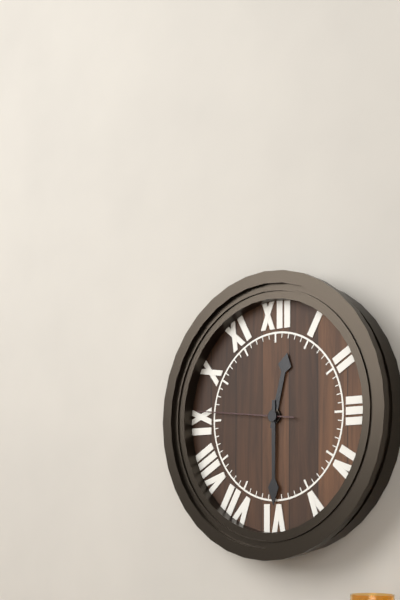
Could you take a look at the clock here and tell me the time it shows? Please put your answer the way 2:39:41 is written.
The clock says 12:30:46
